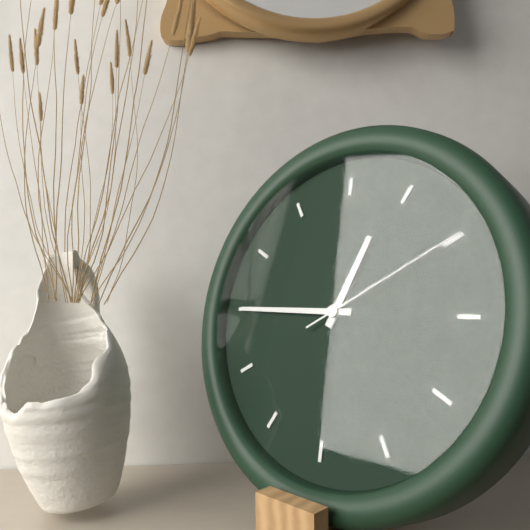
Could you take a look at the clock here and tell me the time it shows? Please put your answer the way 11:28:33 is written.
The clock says 12:45:10
